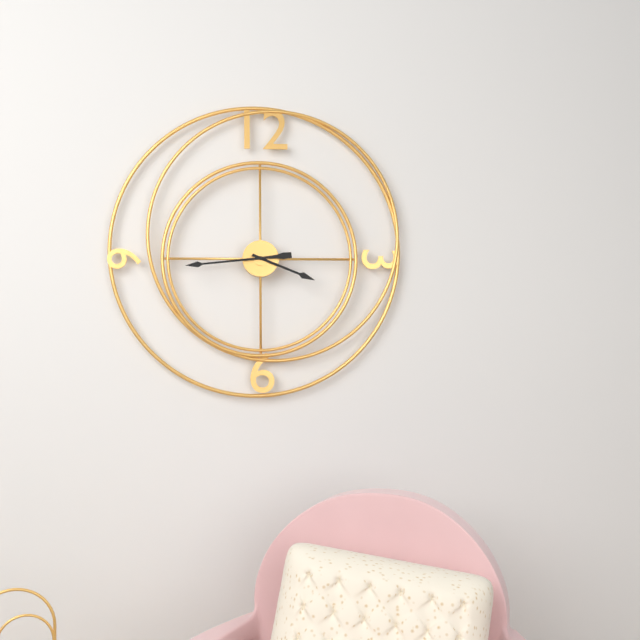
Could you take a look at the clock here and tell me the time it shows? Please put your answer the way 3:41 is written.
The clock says 3:44
